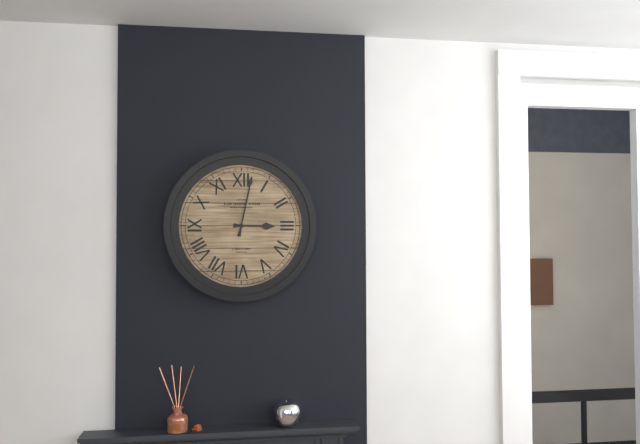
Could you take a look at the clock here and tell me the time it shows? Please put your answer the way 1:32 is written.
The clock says 3:02
